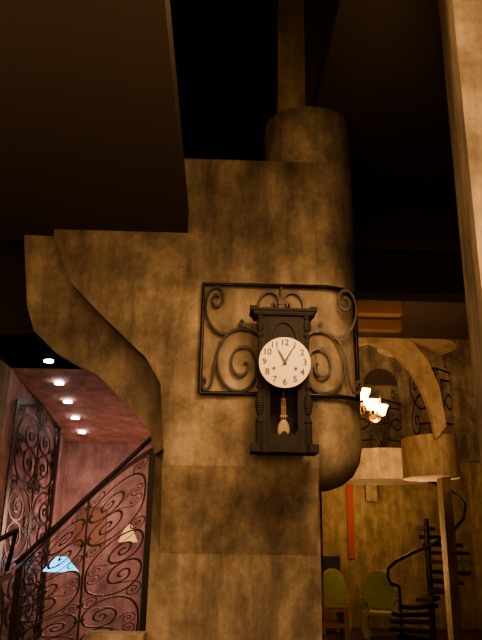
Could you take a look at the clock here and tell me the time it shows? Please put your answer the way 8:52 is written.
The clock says 11:05
